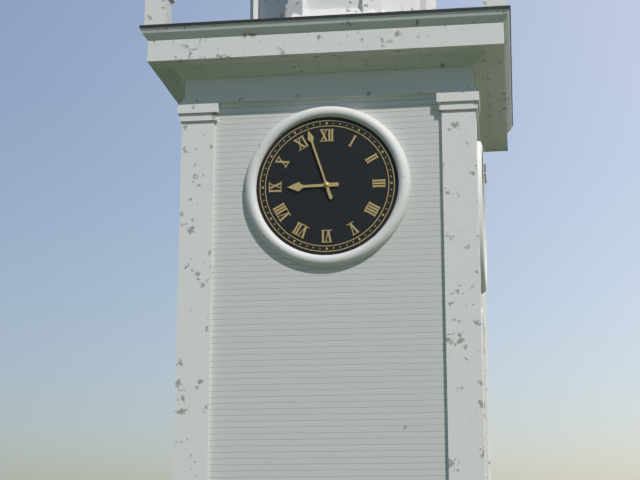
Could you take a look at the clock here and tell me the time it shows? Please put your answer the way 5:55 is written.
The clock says 8:57
